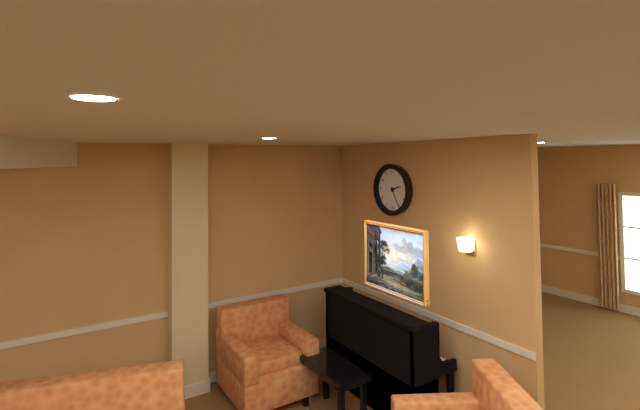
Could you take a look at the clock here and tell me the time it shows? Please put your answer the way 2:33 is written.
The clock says 2:25
